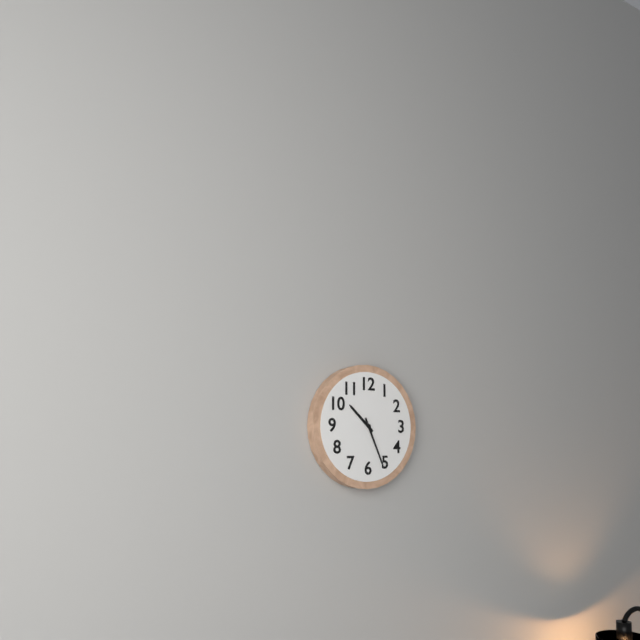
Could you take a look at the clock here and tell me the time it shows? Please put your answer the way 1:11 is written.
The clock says 10:26
